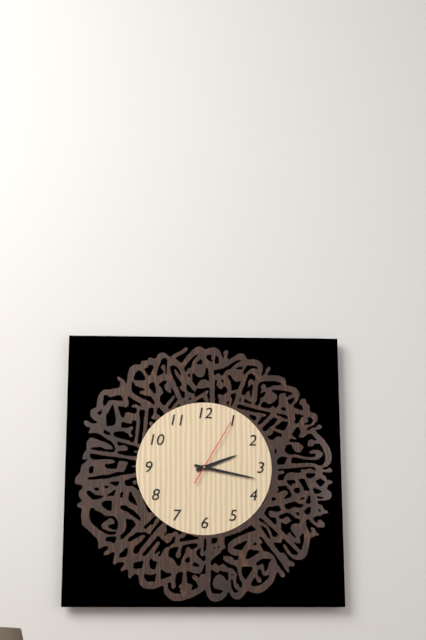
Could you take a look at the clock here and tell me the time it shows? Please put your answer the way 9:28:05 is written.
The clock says 2:17:05
